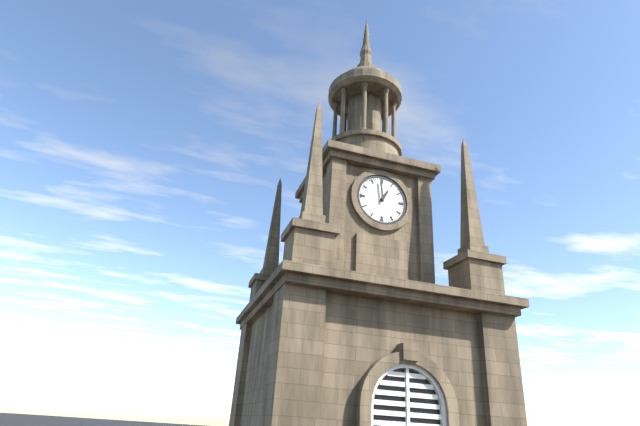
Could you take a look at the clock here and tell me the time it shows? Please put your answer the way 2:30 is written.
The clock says 12:59
